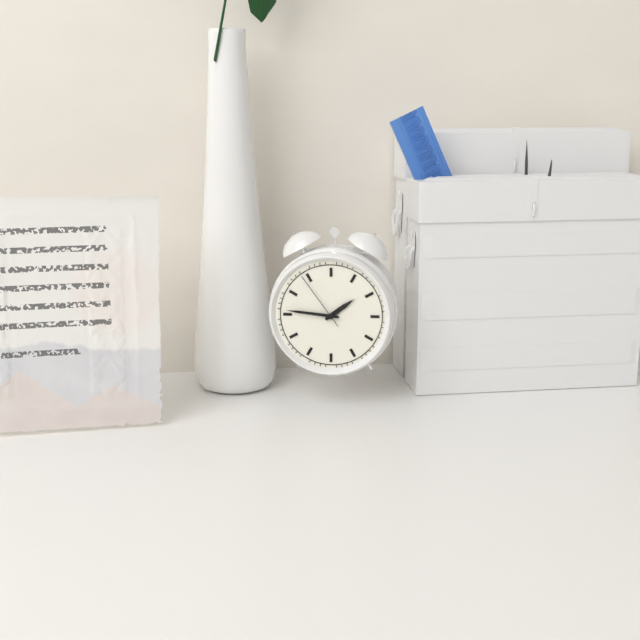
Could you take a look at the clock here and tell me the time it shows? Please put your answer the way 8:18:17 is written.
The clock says 1:46:54
